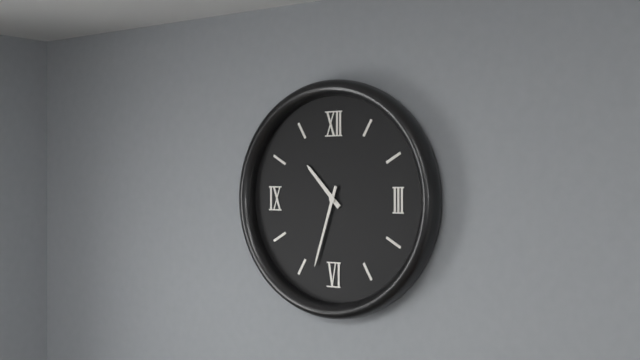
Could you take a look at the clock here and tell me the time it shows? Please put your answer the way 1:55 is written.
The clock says 10:33
